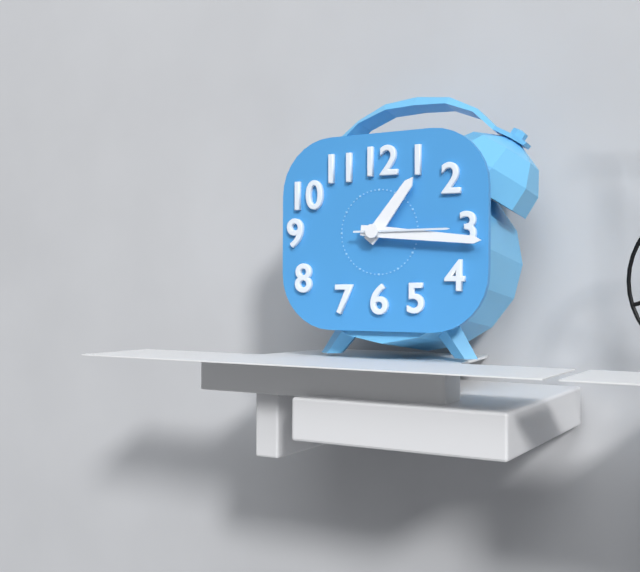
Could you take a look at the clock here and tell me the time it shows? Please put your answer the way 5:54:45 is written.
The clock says 1:16:15
